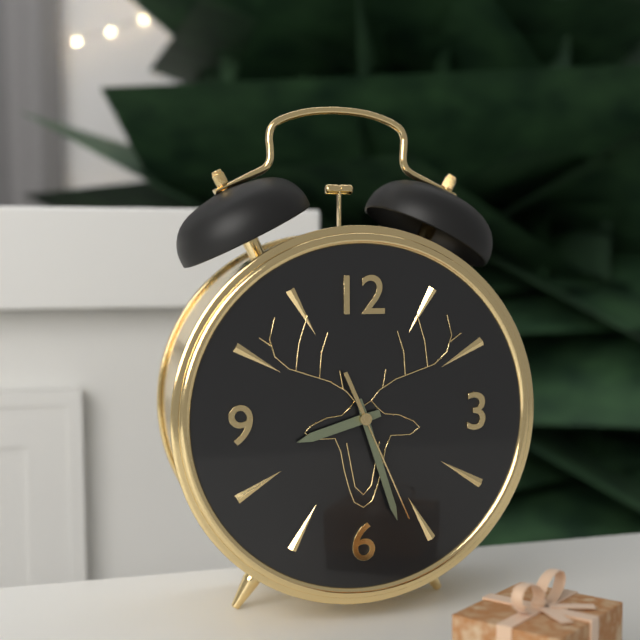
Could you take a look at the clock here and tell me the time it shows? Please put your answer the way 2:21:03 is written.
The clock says 8:27:26
